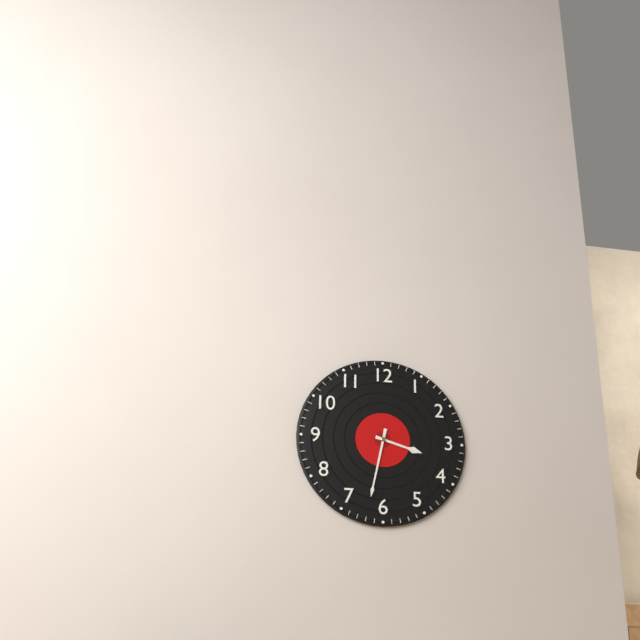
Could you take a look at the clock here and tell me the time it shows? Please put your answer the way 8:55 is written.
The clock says 3:32
